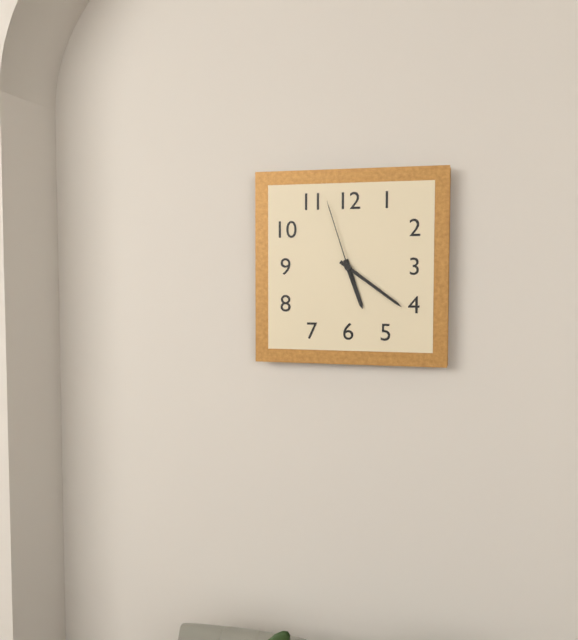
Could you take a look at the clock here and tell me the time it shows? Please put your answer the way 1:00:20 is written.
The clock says 5:21:57
